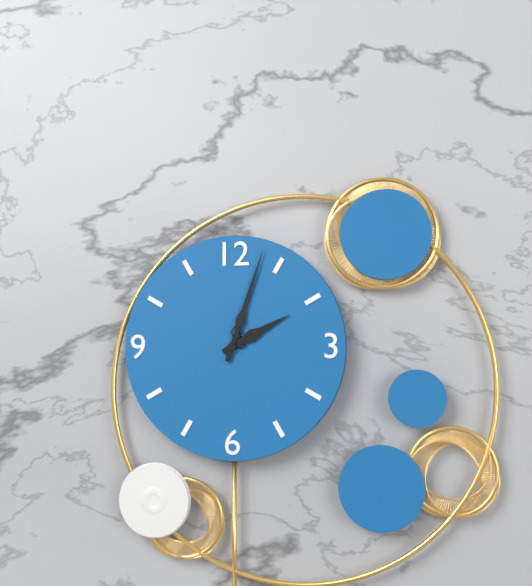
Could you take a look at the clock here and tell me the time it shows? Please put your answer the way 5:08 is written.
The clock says 2:03
